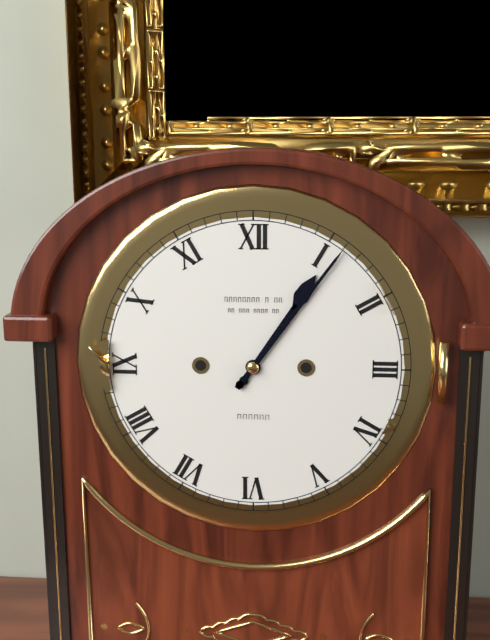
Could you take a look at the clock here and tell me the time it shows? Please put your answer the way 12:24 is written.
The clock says 1:06
